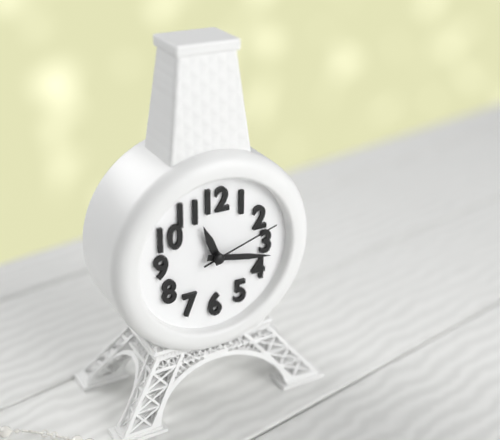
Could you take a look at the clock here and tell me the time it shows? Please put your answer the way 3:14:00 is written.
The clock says 11:17:12
